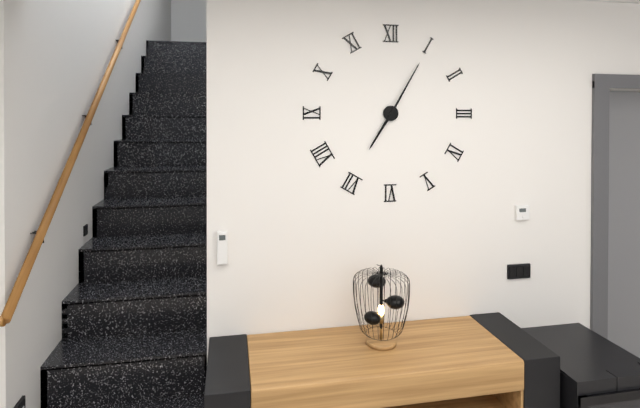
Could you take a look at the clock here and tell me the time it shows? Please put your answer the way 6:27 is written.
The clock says 7:05
